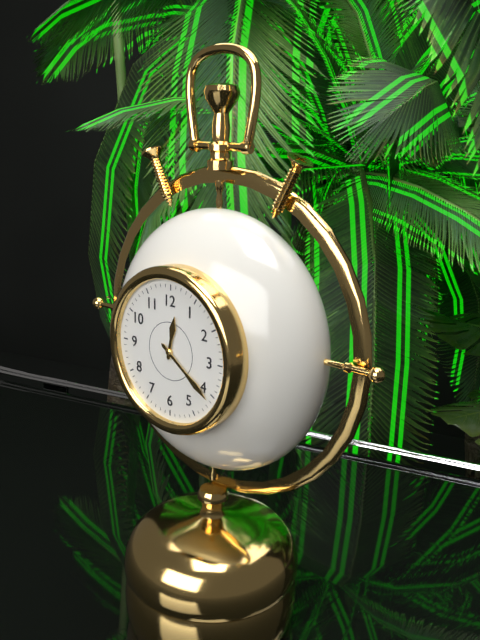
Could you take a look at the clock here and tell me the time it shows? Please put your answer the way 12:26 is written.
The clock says 12:21
